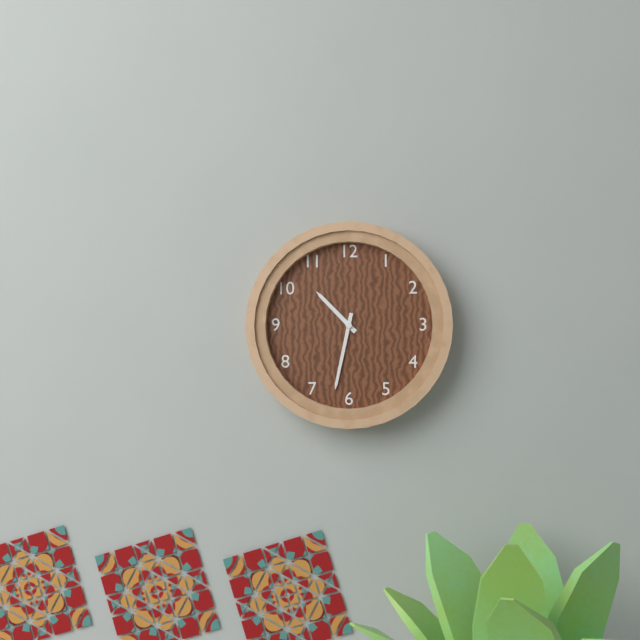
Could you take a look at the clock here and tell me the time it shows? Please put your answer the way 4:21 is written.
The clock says 10:32
